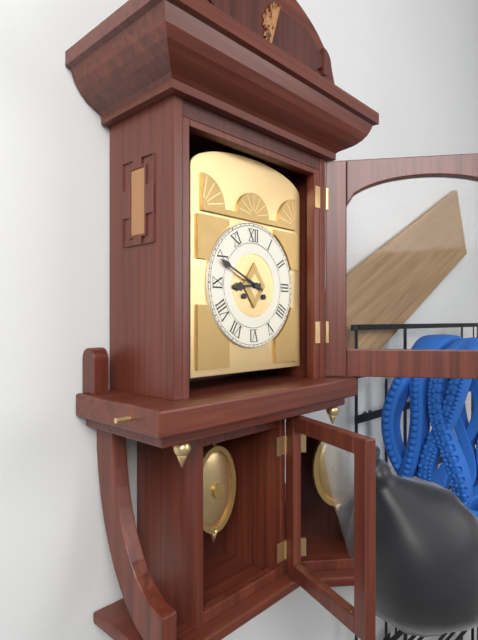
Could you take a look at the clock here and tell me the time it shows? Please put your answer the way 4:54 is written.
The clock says 8:49
